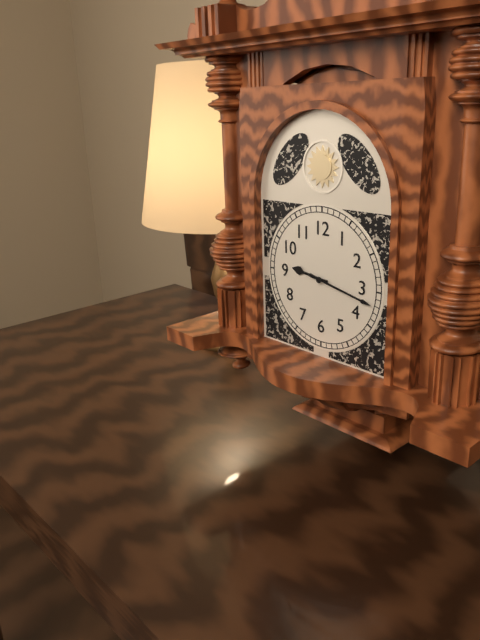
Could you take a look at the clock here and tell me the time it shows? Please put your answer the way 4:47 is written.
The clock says 9:17
